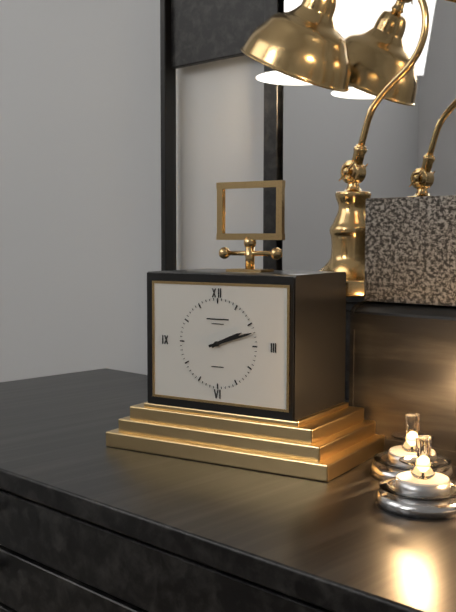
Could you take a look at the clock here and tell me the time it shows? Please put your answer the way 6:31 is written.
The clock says 2:12
